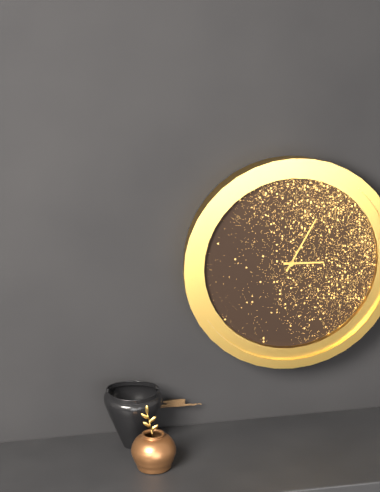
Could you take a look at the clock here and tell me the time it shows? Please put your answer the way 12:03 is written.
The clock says 3:05
